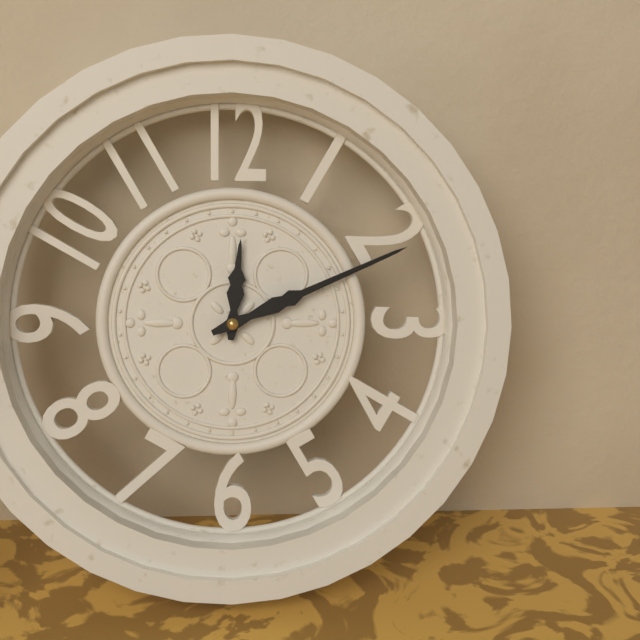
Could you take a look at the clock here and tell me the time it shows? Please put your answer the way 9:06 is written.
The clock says 12:11
